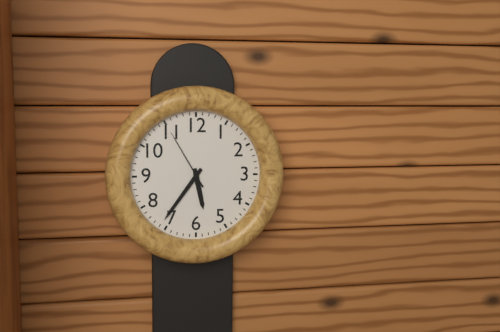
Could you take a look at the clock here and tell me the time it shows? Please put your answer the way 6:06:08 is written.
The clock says 5:36:55
